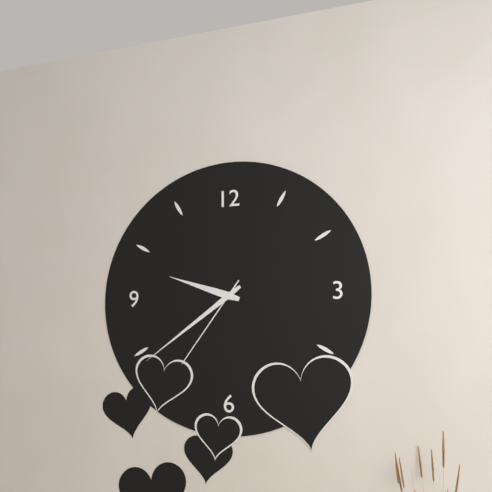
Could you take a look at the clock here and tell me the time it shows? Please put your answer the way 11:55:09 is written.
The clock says 9:39:36
